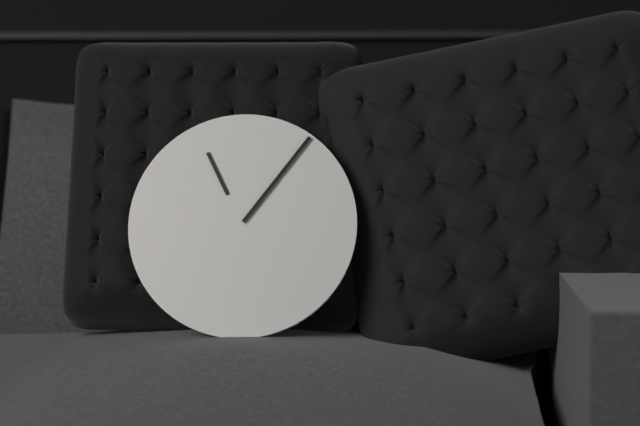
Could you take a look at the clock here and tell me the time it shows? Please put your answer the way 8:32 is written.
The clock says 11:06
